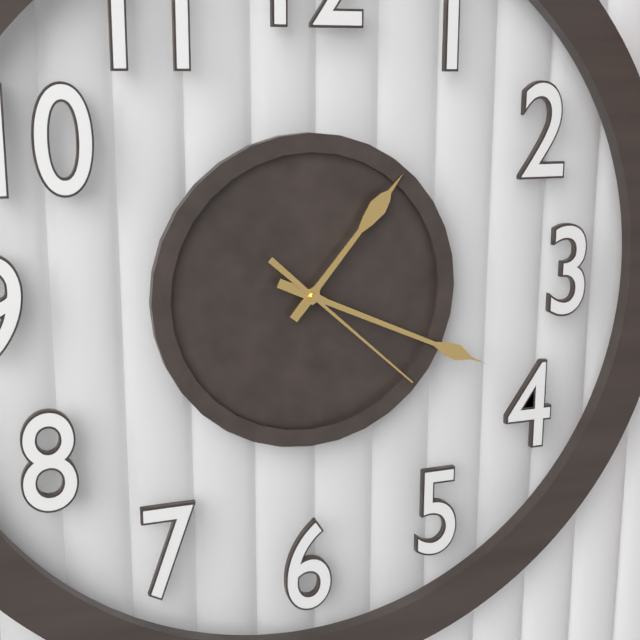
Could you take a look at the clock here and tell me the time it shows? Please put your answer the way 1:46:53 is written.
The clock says 1:19:22
